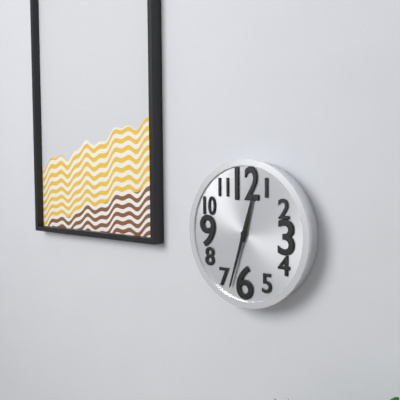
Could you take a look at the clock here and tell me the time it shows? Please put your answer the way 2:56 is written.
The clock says 12:33
